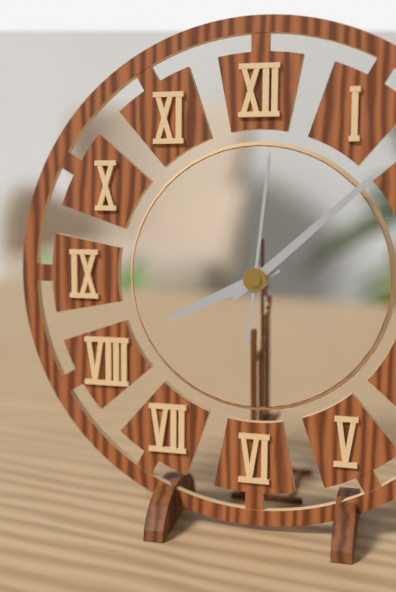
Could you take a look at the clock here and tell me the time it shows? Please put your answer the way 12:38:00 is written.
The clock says 8:08:01
